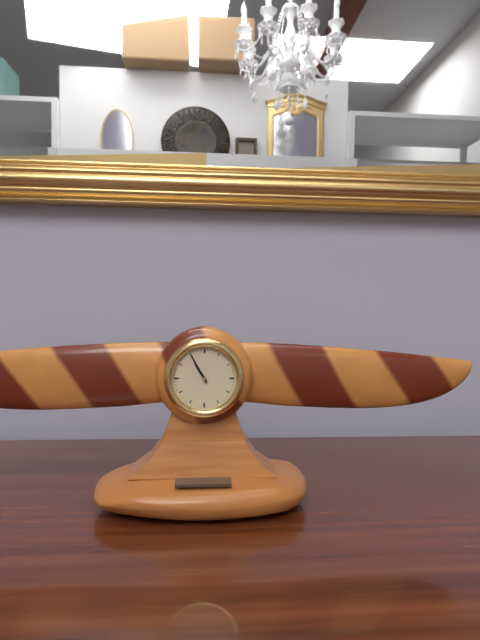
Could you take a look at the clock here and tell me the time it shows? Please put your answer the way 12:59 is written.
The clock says 10:55
